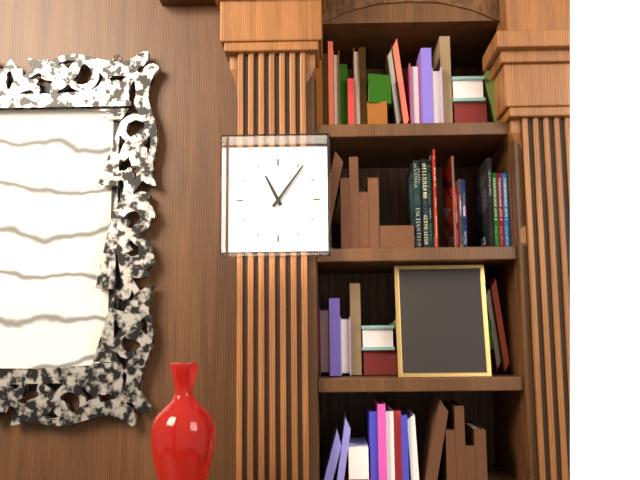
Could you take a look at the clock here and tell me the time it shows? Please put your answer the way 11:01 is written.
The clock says 11:06
